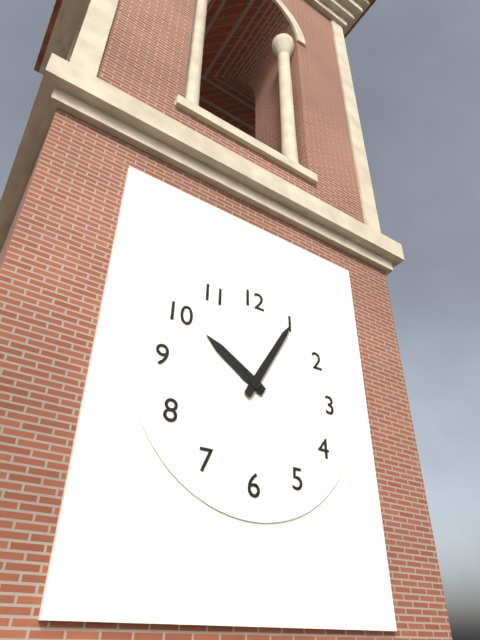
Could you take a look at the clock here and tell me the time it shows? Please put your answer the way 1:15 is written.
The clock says 10:05
